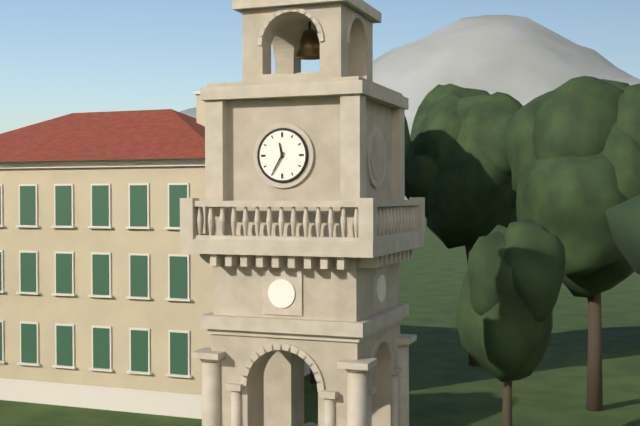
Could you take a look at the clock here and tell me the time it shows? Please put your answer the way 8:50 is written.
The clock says 11:35
